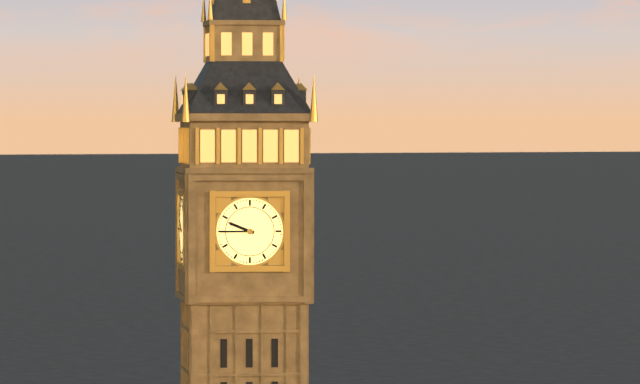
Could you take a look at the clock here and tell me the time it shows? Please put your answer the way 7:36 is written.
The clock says 9:45
